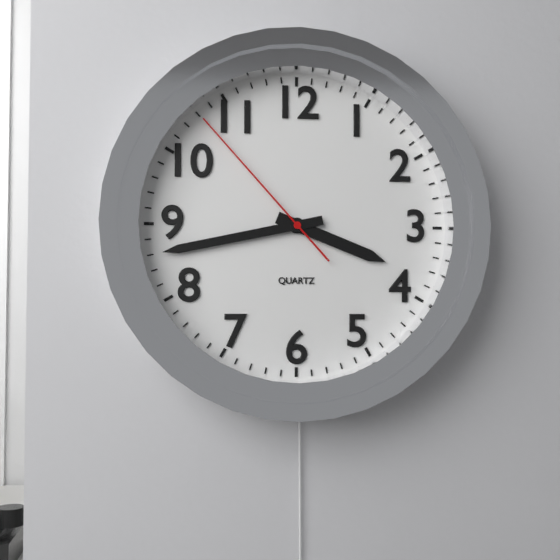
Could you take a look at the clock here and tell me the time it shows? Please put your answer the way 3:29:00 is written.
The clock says 3:43:53
